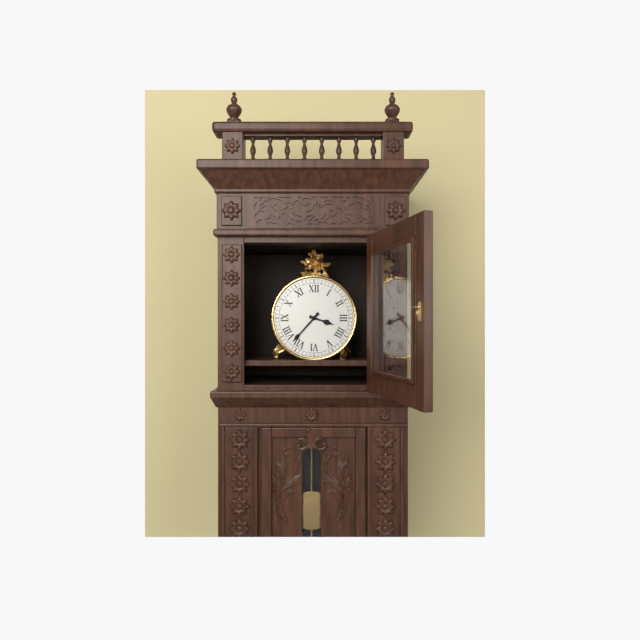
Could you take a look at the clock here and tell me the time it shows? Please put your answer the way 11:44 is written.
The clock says 3:37
